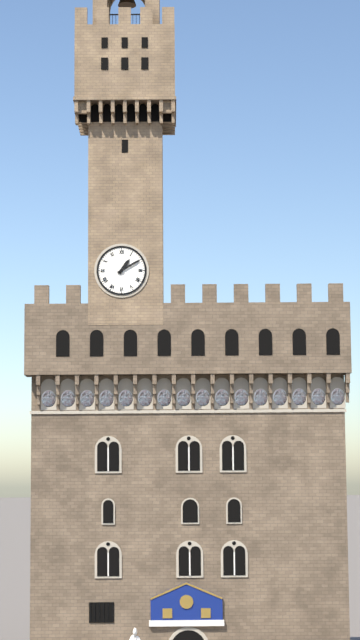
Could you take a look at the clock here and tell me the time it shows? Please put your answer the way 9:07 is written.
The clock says 1:10
